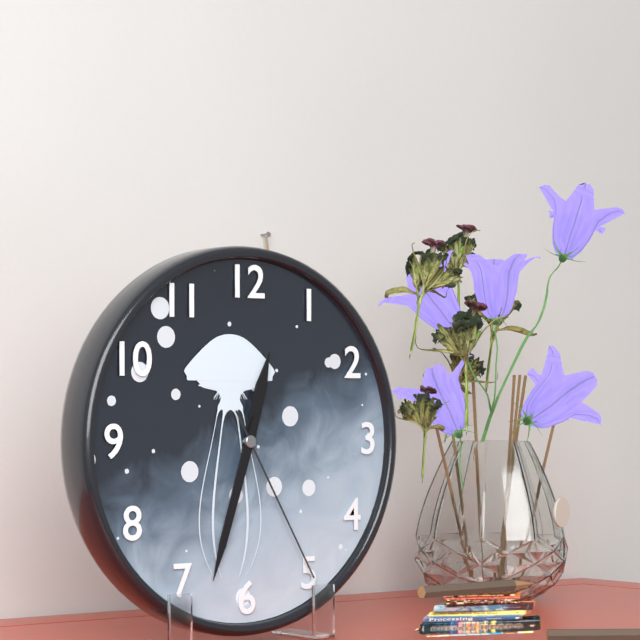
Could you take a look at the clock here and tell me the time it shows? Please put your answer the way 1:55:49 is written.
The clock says 12:33:25
